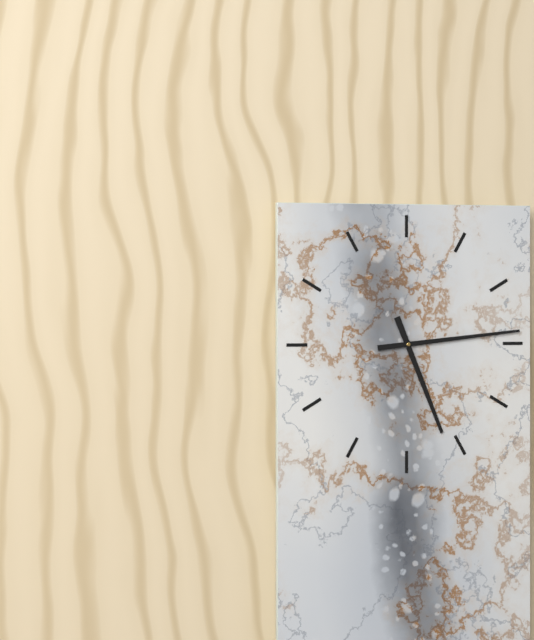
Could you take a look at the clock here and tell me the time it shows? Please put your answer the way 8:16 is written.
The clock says 5:14
